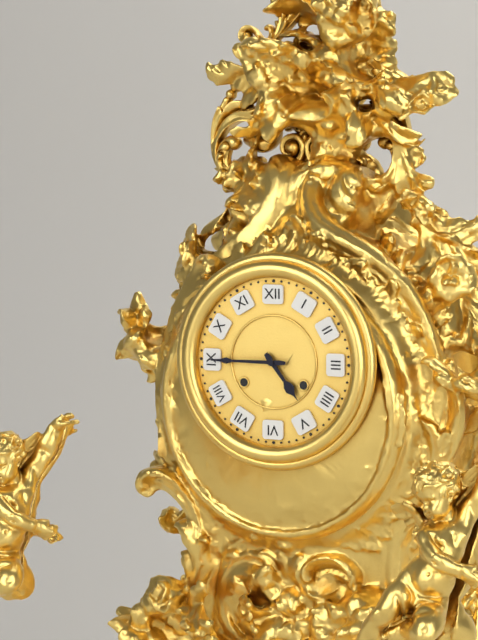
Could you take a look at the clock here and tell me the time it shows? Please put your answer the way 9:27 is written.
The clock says 4:45
